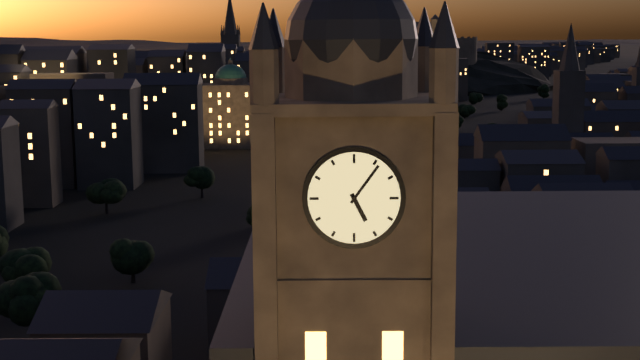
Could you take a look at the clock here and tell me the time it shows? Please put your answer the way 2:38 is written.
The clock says 5:06
